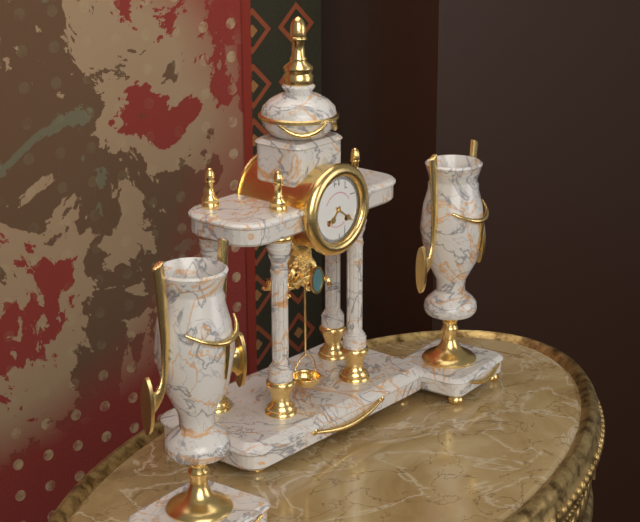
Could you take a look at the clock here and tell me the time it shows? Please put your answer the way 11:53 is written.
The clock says 7:21
